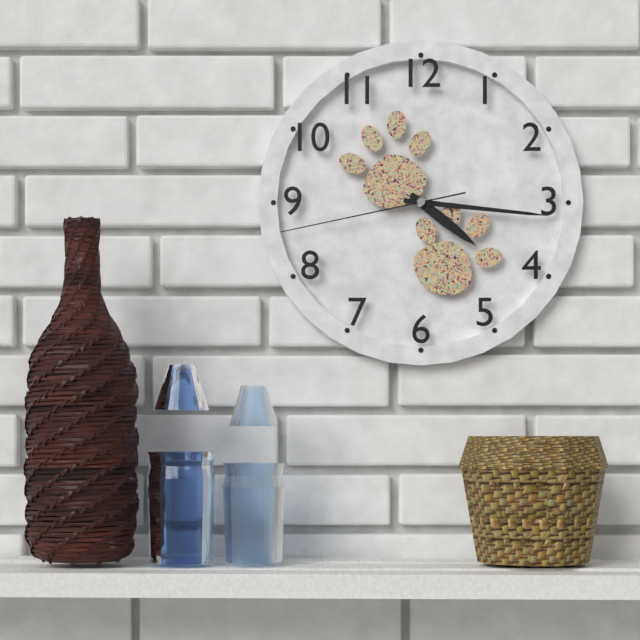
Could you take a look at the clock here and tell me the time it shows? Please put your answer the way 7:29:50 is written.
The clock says 4:16:43
